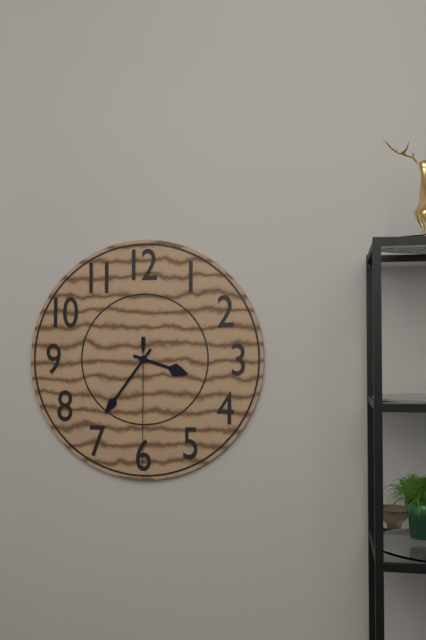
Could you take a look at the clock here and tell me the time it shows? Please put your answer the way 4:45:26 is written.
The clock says 3:36:30
